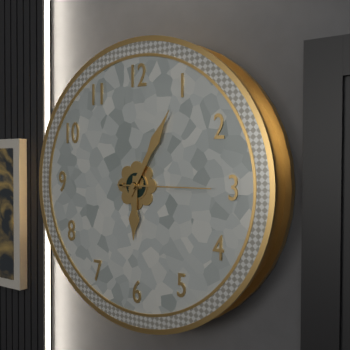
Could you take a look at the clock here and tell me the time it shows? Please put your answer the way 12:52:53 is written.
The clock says 6:05:15
